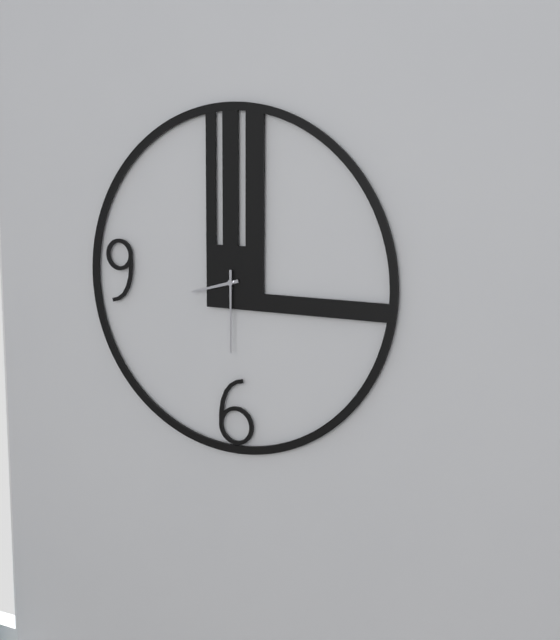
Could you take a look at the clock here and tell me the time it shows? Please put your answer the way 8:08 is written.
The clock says 8:30
